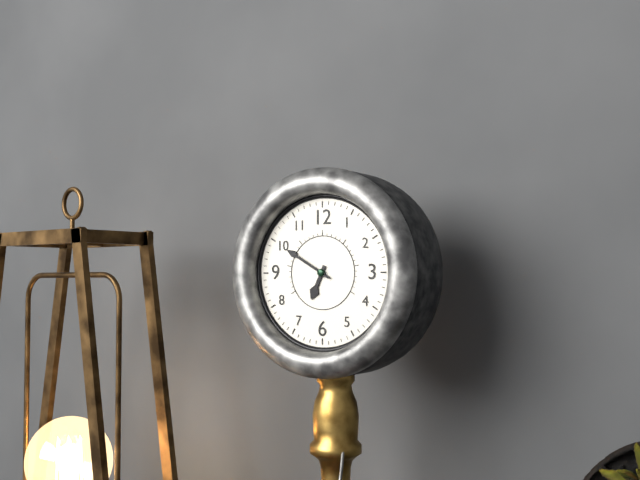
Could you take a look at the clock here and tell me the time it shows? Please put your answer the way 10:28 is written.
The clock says 6:50
